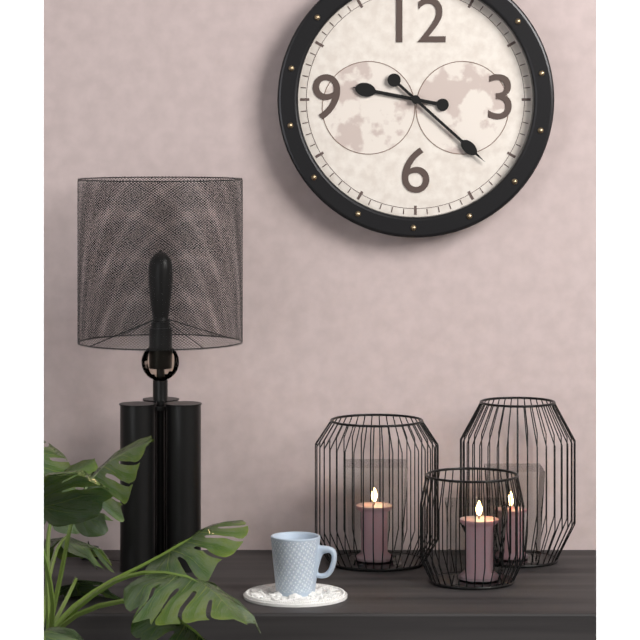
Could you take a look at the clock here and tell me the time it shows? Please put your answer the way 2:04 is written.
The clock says 9:22
